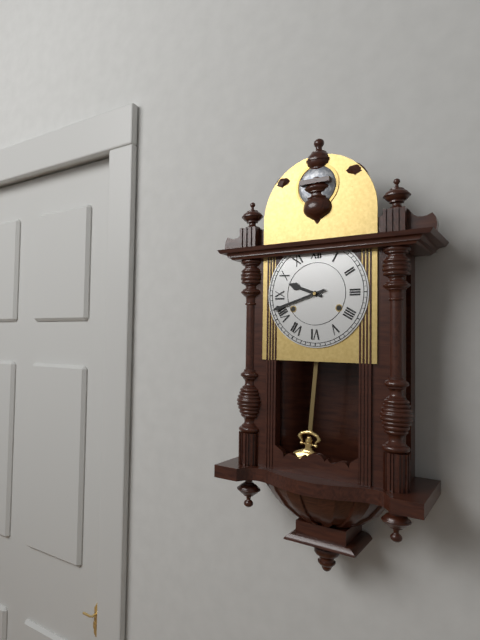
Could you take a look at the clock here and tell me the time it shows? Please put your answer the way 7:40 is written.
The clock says 9:42
